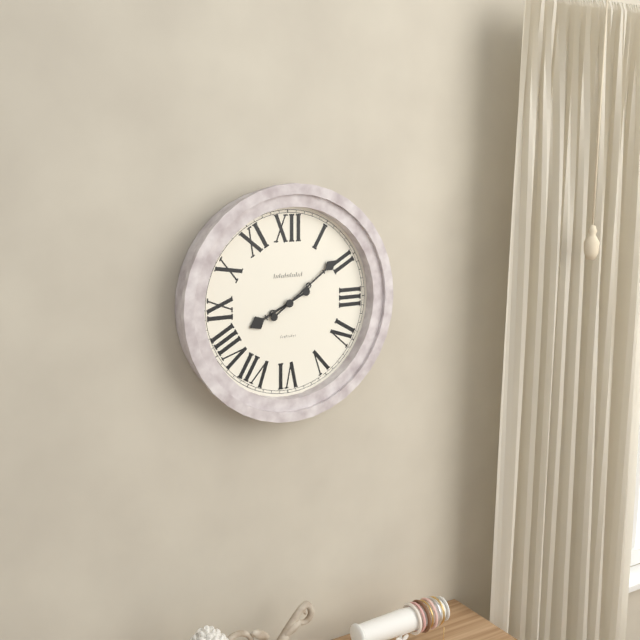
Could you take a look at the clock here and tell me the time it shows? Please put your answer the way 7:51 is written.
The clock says 8:09
